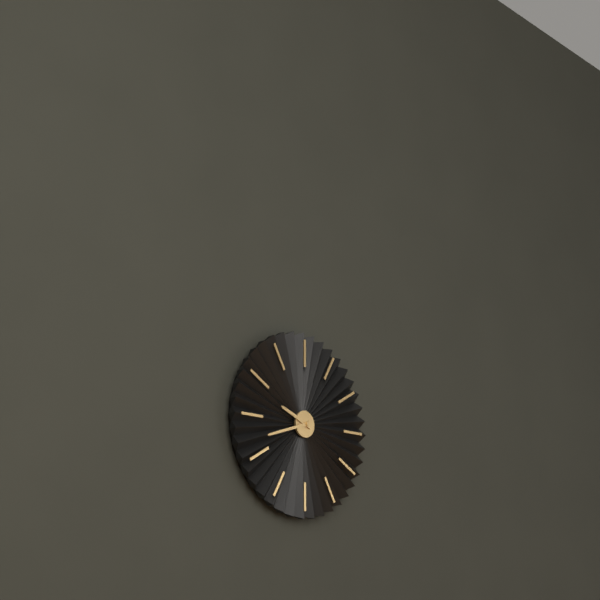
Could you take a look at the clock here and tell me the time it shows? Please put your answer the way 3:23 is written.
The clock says 9:42
